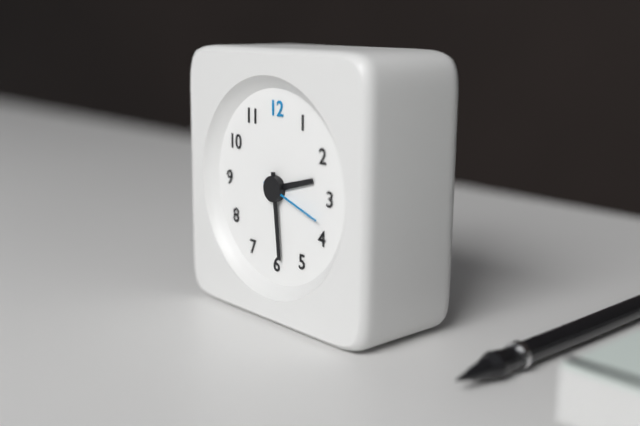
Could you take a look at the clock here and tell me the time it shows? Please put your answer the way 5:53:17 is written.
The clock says 2:29:18
